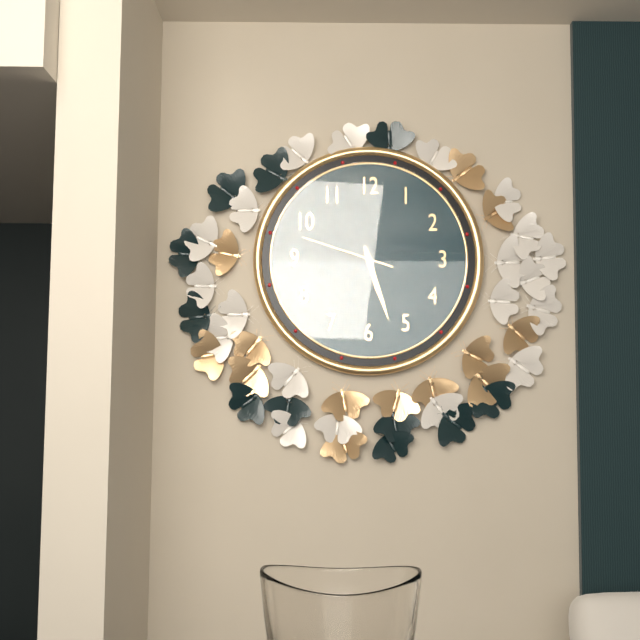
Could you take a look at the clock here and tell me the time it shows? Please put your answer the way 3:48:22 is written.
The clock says 5:27:48
